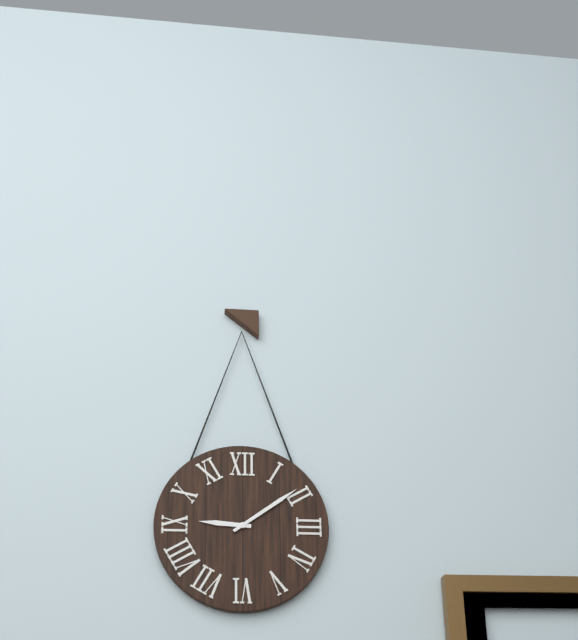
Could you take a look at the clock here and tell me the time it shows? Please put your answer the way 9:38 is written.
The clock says 9:09
